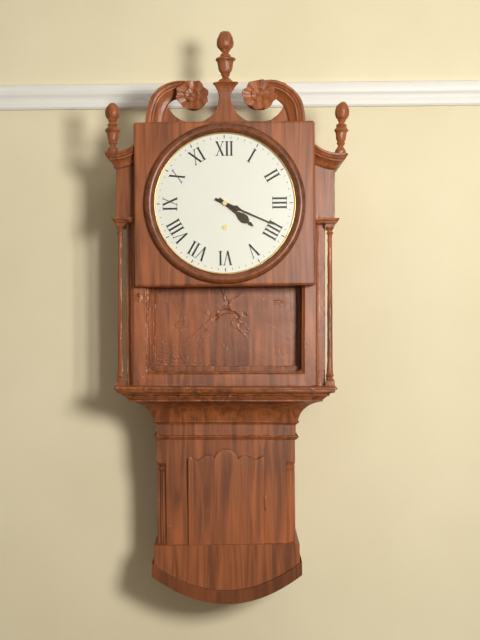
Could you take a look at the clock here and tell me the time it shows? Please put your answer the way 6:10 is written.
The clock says 4:19
